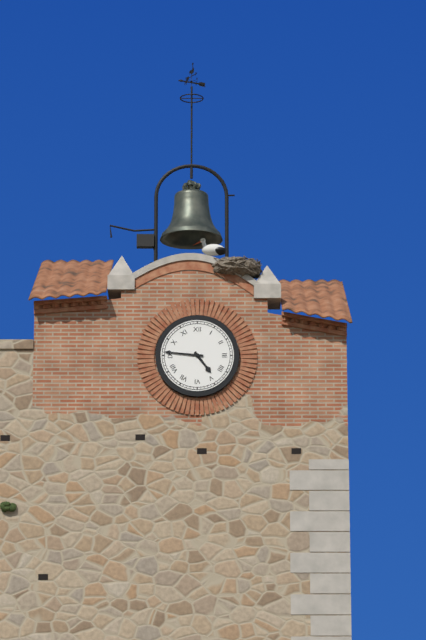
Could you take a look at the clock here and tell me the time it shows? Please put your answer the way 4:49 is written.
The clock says 4:46
